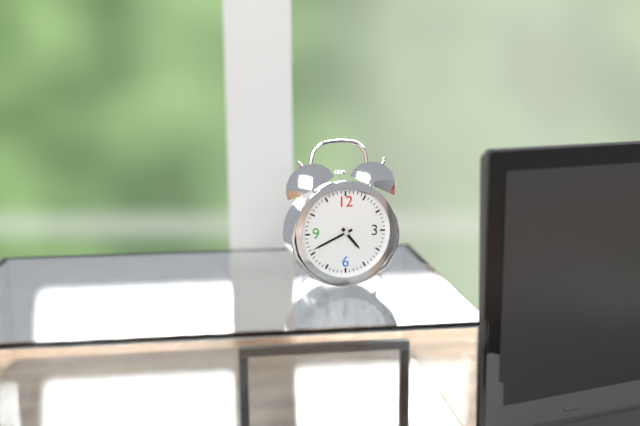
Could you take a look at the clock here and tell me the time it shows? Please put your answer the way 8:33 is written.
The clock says 4:41
